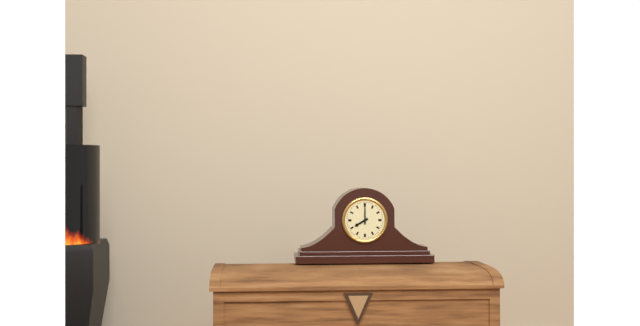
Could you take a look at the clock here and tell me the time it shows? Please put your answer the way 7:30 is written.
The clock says 8:00
